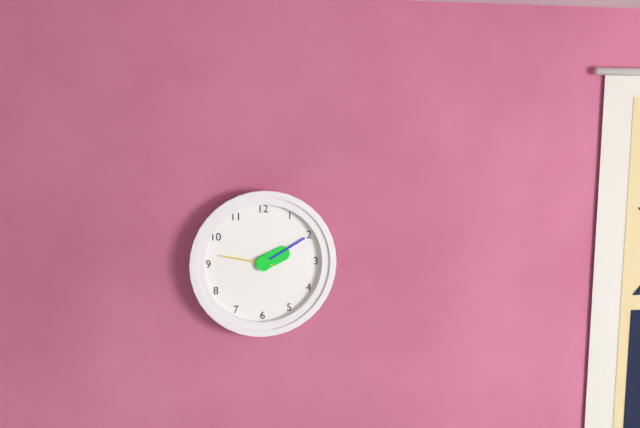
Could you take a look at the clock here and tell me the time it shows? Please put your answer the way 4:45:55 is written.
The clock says 2:10:47
